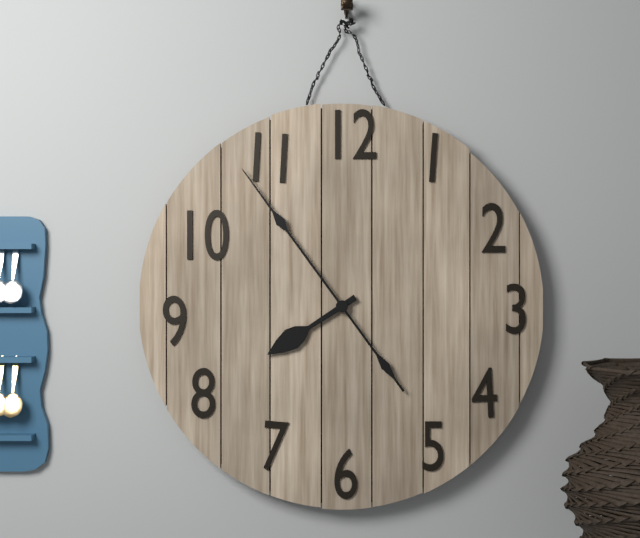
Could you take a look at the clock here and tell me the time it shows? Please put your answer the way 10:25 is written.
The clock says 7:54
